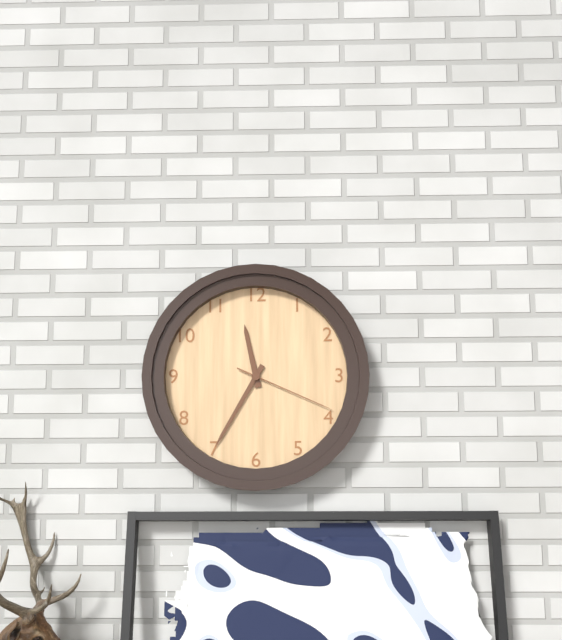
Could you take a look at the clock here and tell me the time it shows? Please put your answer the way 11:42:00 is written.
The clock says 11:35:19
